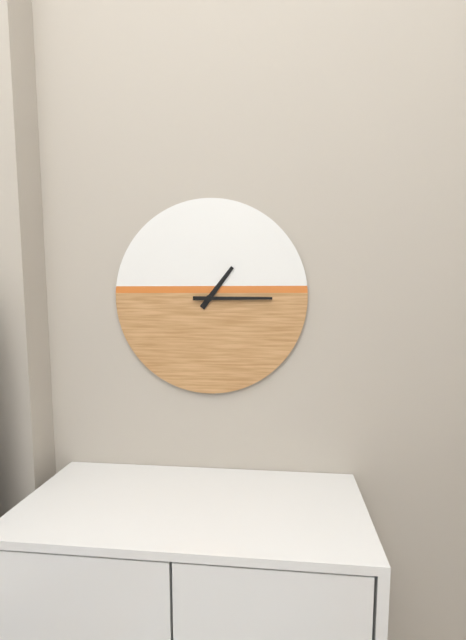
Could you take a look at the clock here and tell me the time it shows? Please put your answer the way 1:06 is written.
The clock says 1:15
